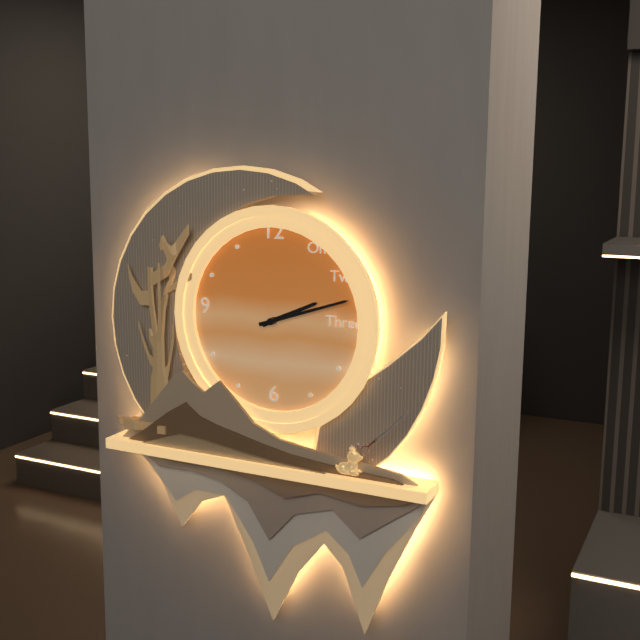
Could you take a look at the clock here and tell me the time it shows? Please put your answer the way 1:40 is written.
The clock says 2:12
